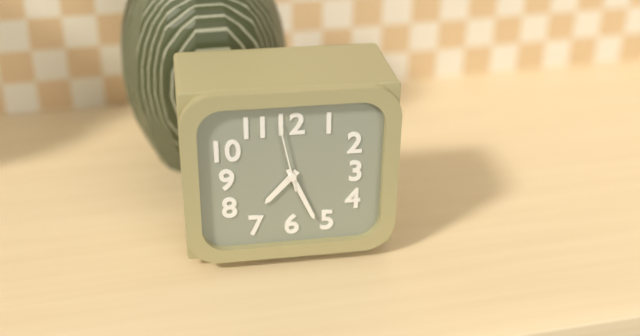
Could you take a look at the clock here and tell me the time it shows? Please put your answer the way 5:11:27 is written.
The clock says 7:26:58
